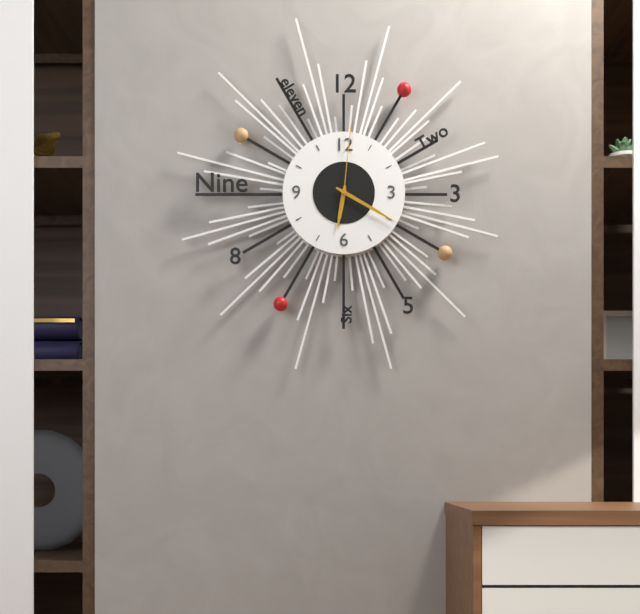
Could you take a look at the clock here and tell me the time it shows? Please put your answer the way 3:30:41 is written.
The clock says 6:20:01
